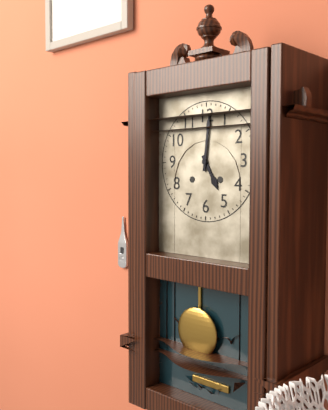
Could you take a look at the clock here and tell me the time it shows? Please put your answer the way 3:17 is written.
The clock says 5:01
